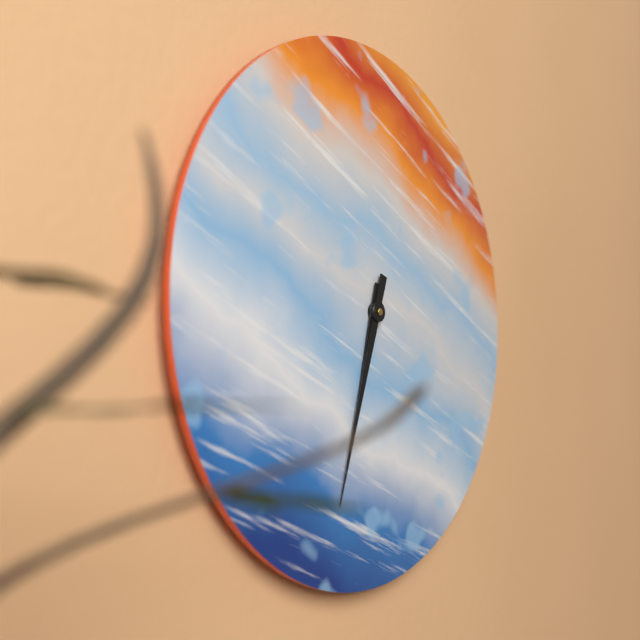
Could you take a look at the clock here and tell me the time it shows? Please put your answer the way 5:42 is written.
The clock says 6:33
